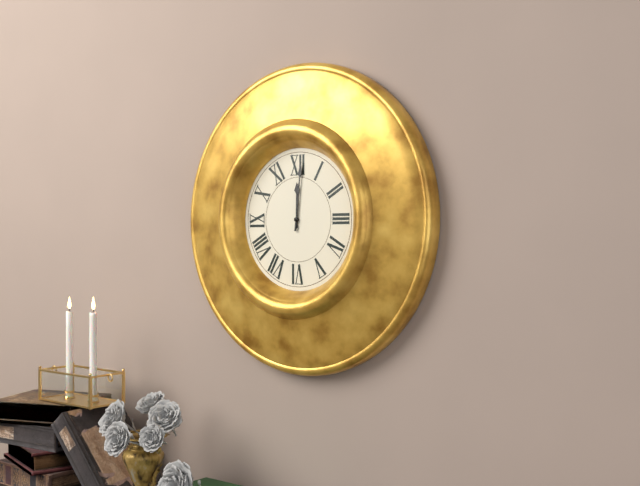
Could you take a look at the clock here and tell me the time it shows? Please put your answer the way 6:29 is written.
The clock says 12:01
